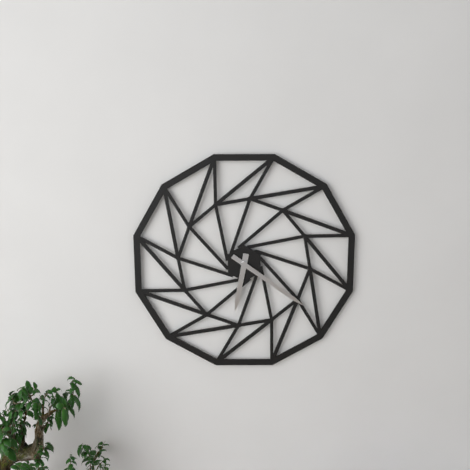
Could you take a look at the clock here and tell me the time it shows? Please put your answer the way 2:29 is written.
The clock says 6:21
